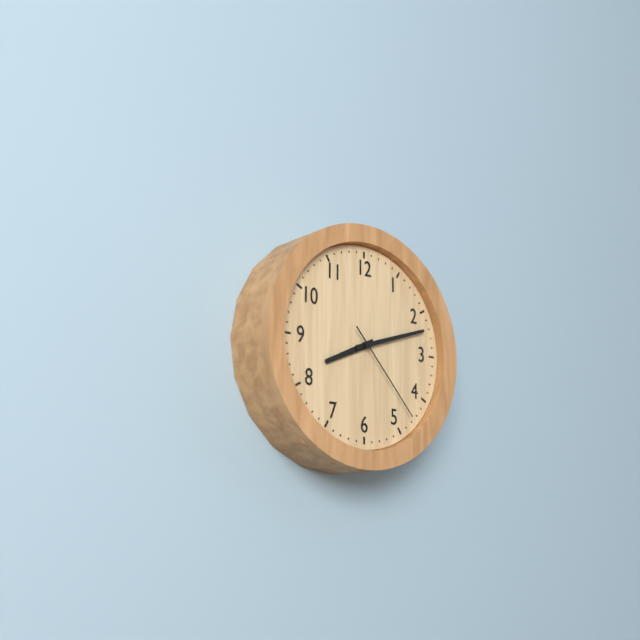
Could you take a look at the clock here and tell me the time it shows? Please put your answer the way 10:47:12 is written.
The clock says 8:12:23
